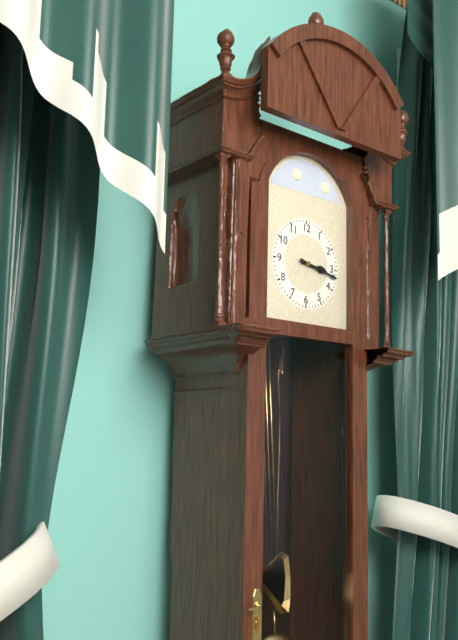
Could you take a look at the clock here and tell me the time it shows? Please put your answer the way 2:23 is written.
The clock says 3:17
